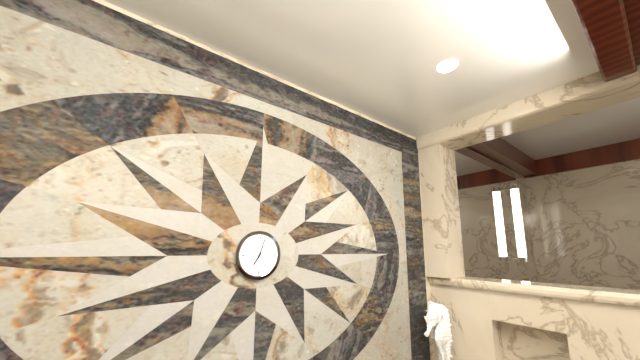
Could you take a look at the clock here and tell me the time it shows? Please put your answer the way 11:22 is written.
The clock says 7:03
